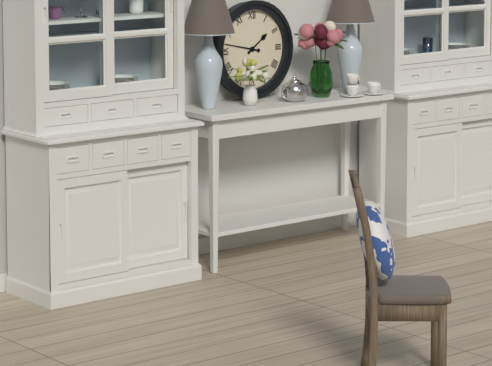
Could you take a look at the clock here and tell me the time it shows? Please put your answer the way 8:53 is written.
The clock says 1:47
